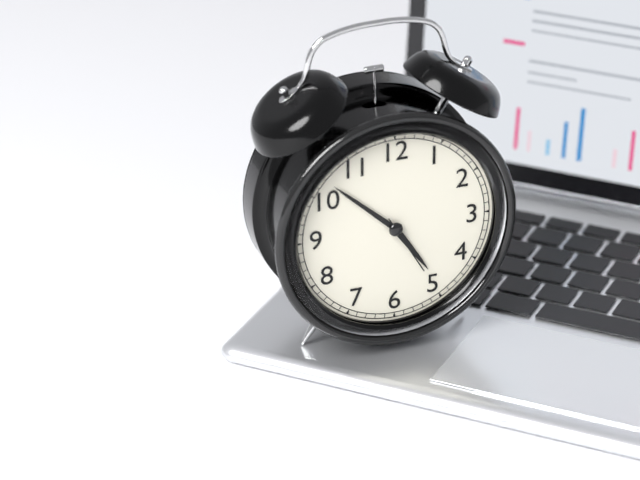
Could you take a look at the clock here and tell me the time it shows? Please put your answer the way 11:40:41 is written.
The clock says 4:52:25
